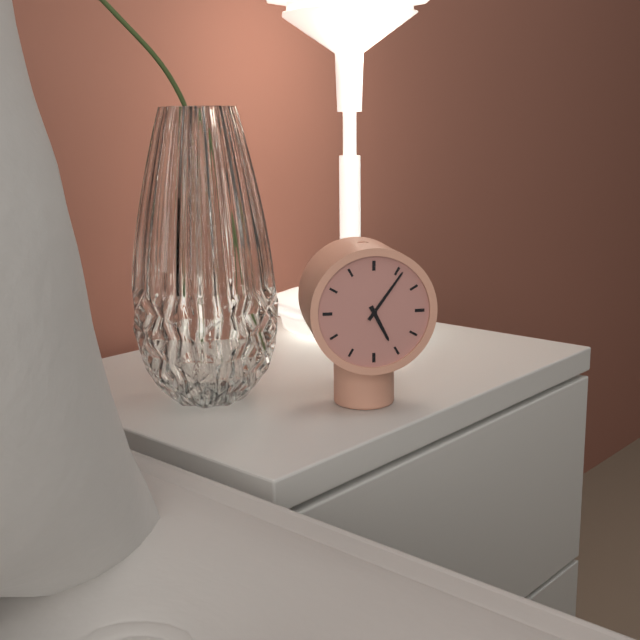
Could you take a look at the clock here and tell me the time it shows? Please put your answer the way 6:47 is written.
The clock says 5:06
